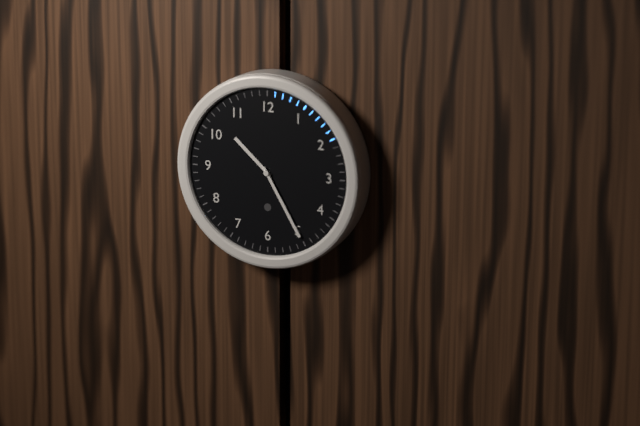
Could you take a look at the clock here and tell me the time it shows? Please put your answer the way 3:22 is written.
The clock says 10:25
